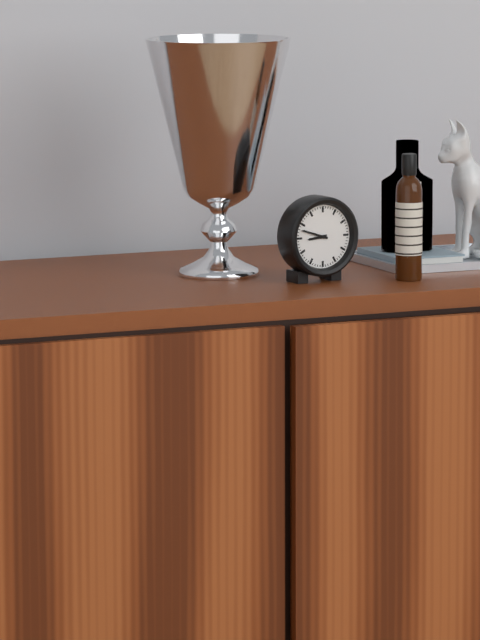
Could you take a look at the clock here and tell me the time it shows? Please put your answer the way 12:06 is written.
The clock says 8:48
